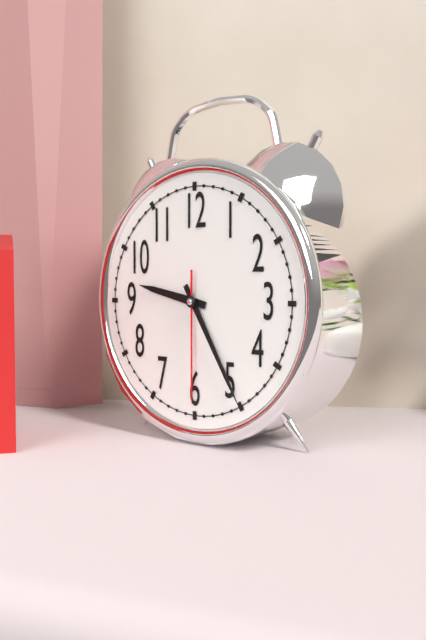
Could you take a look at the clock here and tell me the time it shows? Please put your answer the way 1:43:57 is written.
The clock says 9:25:30
